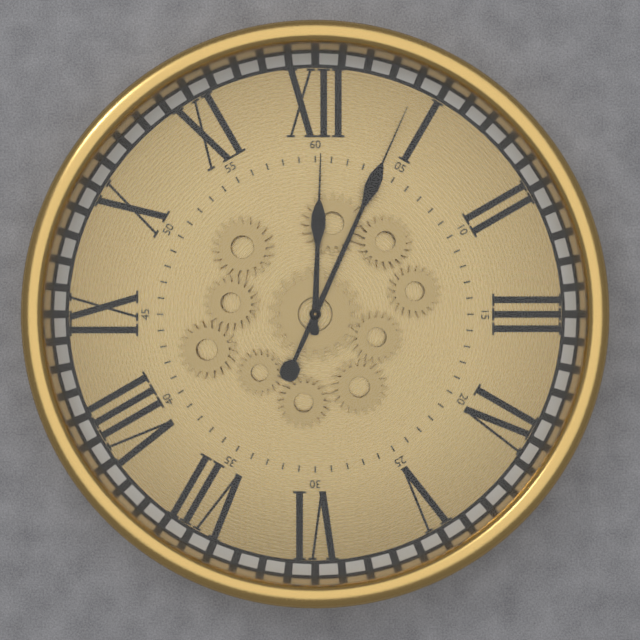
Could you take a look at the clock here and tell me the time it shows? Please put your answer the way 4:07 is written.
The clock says 12:04
